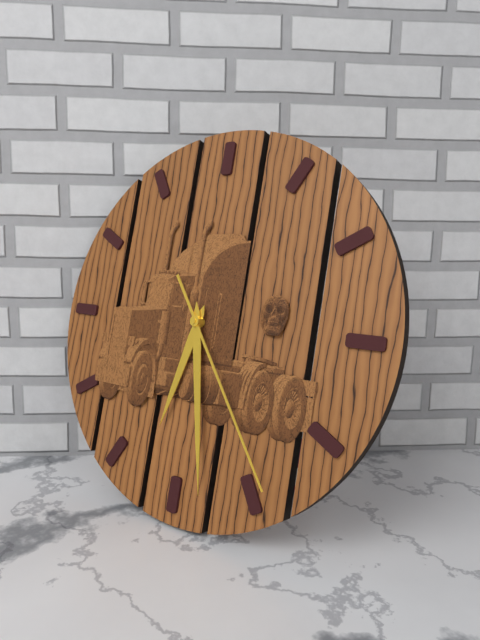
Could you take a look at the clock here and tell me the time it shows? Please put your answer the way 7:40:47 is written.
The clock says 6:28:24
